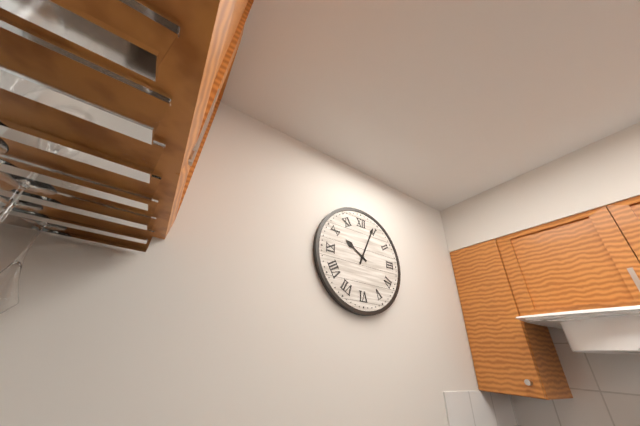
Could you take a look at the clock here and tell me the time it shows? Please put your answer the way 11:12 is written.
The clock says 10:04
